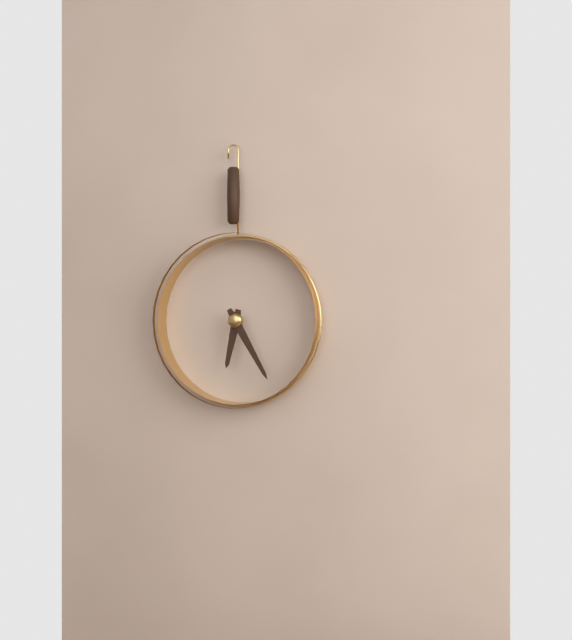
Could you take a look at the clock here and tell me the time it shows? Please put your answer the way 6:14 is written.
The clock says 6:25
